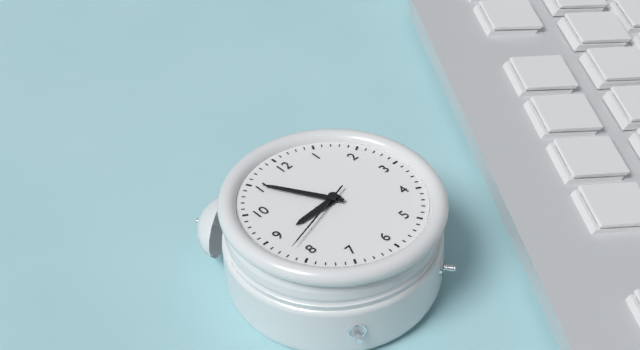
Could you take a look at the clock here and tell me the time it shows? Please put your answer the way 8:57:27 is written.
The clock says 8:55:42
